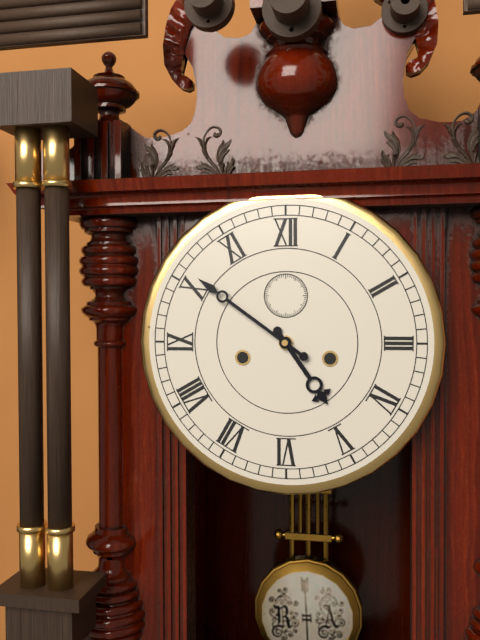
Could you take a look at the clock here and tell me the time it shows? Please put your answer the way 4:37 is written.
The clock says 4:51
